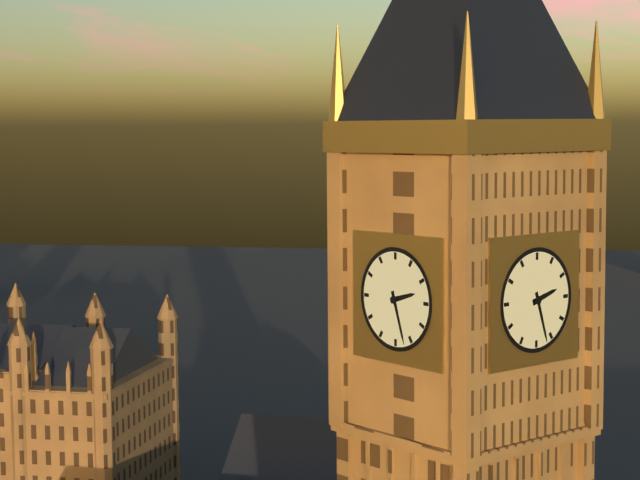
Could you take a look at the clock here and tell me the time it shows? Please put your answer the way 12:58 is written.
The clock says 2:27
